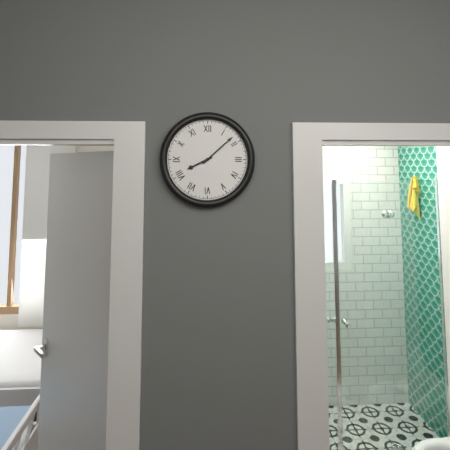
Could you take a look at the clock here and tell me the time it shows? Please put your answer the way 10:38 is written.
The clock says 8:08
